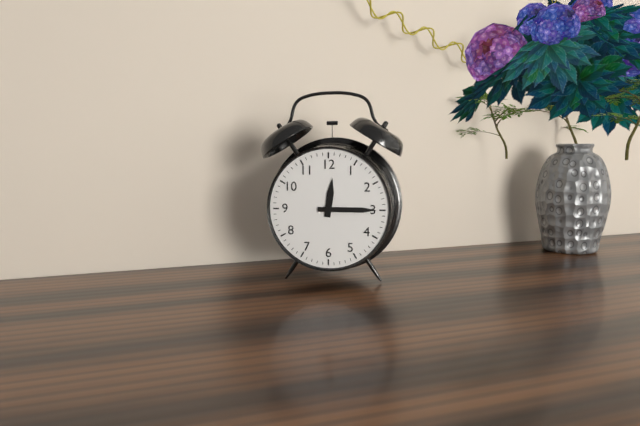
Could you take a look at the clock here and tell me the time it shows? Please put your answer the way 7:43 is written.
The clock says 12:15
